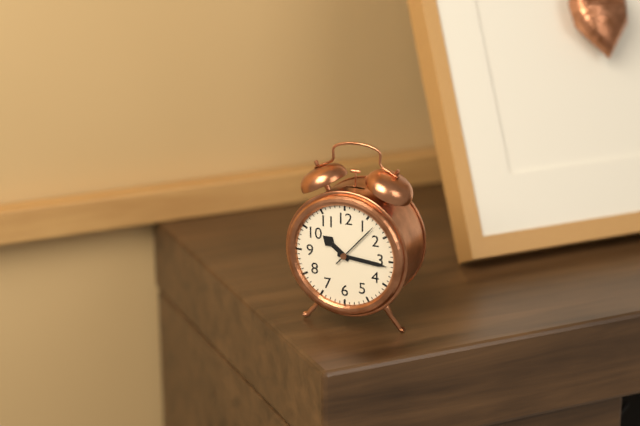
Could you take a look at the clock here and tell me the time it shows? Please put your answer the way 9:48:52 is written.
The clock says 10:16:07
